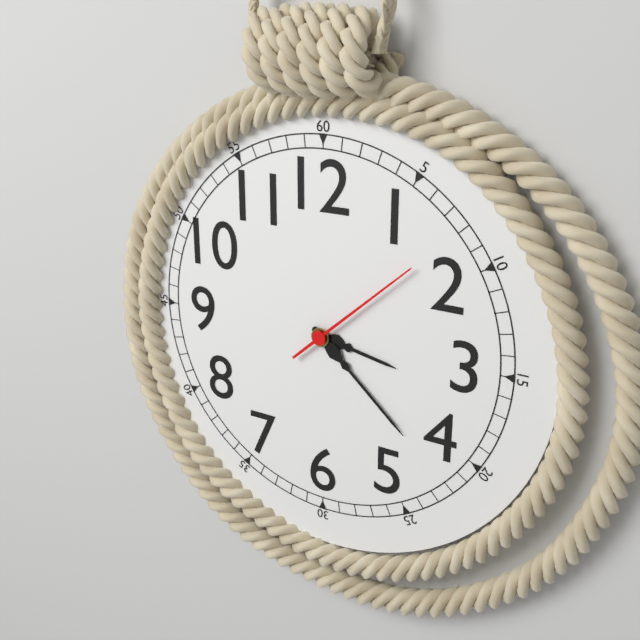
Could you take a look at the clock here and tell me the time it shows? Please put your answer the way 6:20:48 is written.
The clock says 3:22:08
